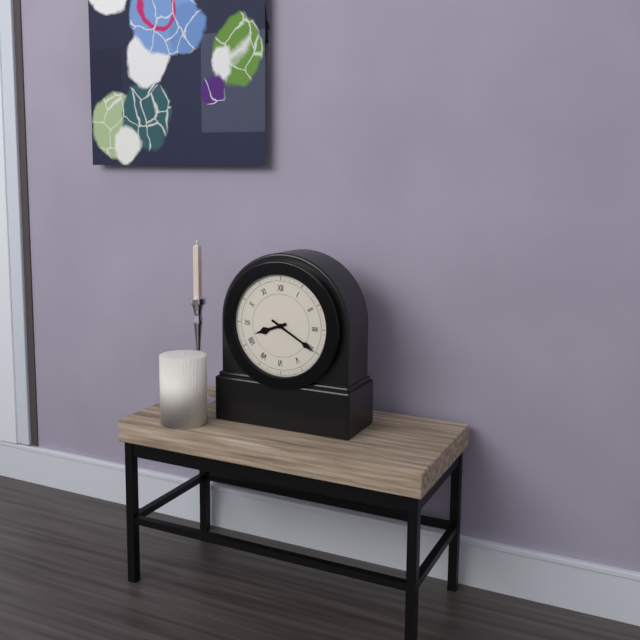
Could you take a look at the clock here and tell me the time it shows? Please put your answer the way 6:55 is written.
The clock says 8:20
